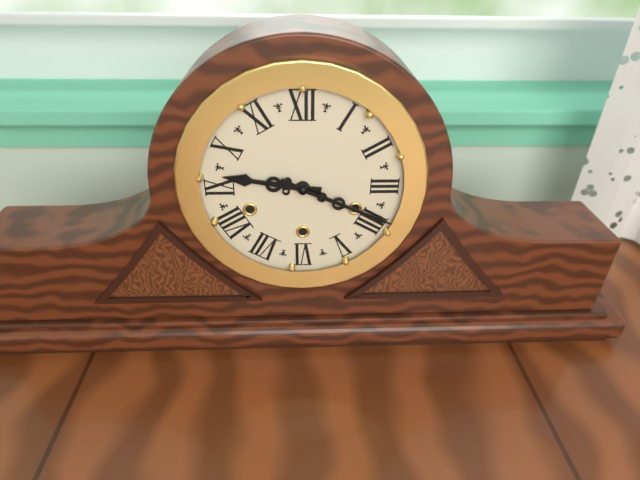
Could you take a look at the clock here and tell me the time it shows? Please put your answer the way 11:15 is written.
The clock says 9:19
